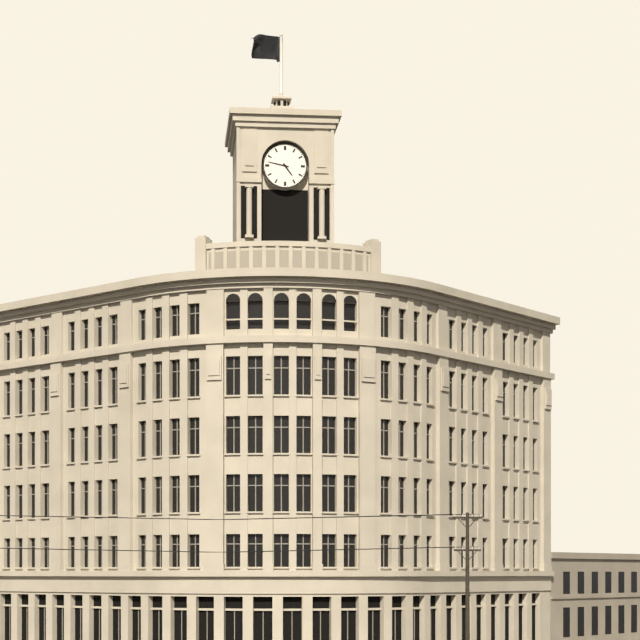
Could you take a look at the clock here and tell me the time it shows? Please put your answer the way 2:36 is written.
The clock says 4:47
